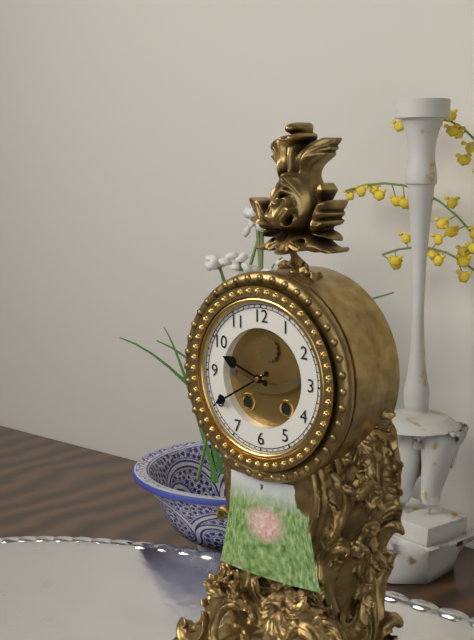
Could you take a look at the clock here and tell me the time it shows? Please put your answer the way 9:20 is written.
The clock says 9:40
